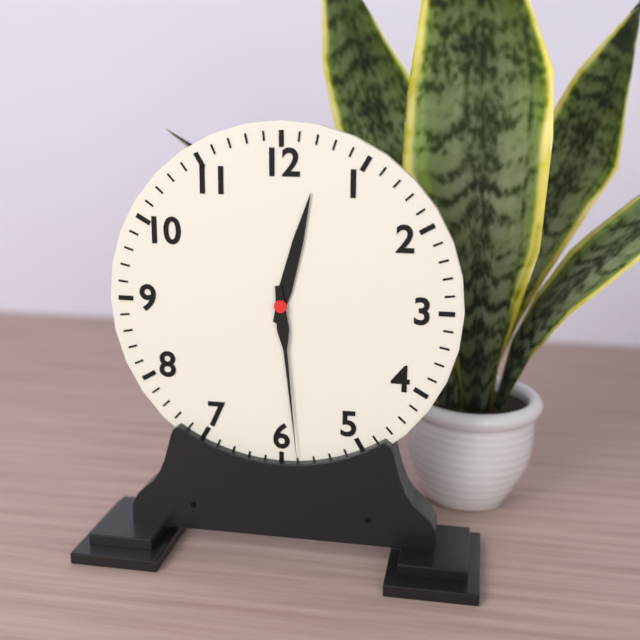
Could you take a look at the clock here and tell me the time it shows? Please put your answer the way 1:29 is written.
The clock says 12:29
